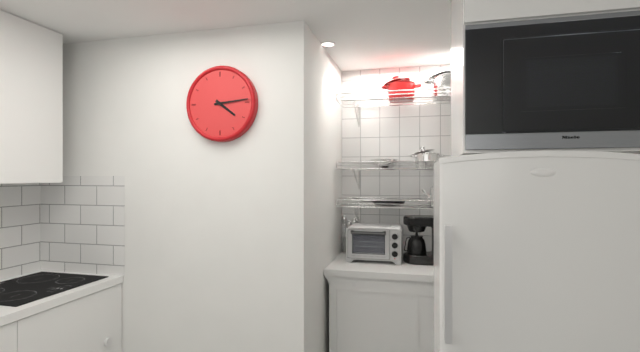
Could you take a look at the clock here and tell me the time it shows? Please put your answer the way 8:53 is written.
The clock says 4:14
